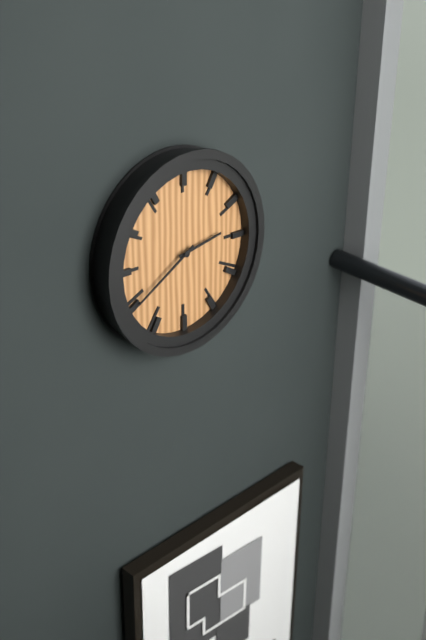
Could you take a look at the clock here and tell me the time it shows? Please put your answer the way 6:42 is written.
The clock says 2:40
